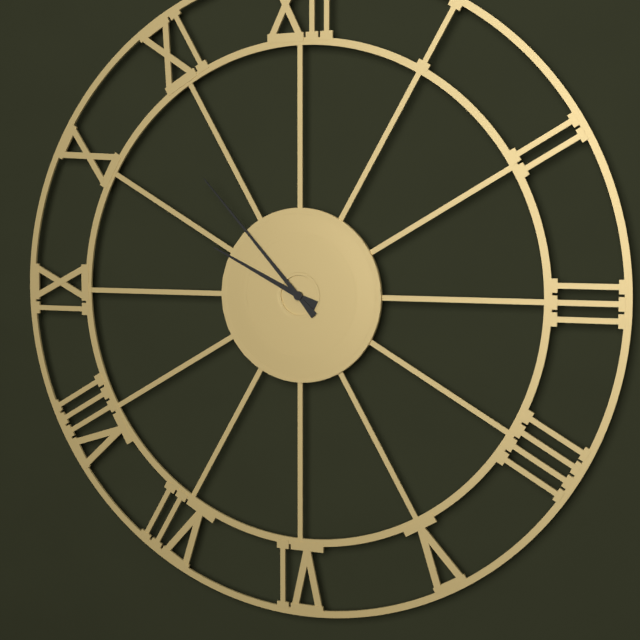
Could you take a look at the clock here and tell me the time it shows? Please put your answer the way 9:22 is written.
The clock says 9:53
